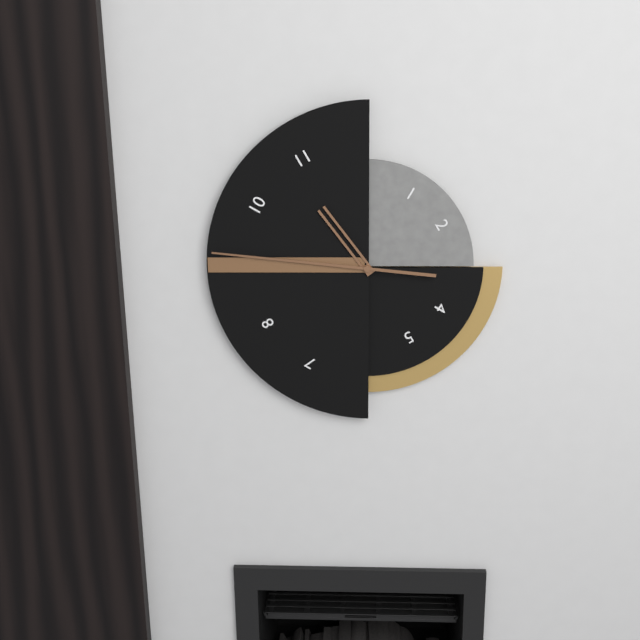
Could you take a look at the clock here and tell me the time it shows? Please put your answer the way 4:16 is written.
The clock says 10:46
